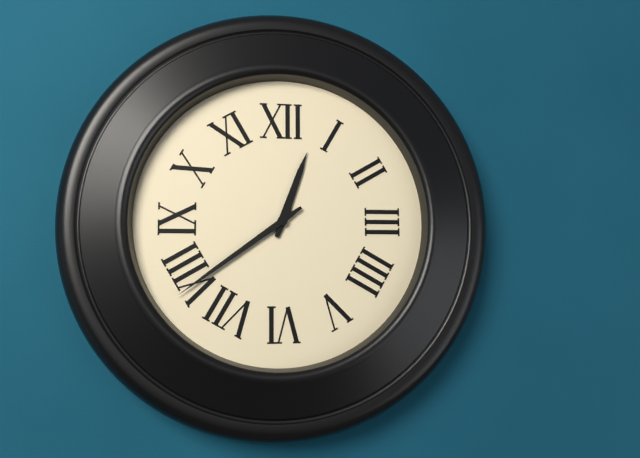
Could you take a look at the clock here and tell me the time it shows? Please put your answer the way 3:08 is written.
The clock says 12:39
